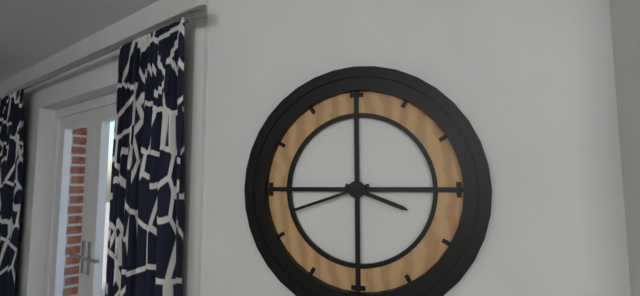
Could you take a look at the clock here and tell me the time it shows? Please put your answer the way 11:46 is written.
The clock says 3:42
